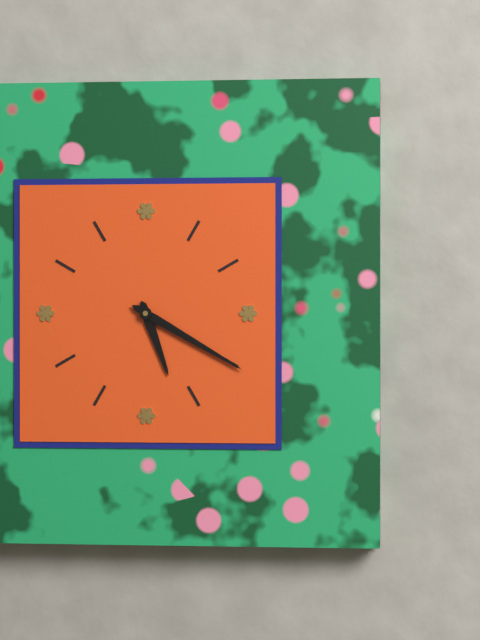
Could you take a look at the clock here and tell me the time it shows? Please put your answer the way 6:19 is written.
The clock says 5:20
